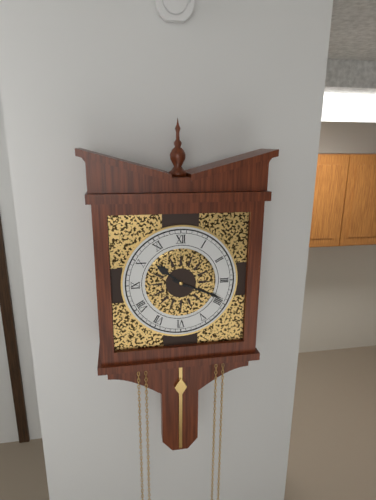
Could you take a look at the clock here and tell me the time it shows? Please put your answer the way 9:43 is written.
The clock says 10:19
